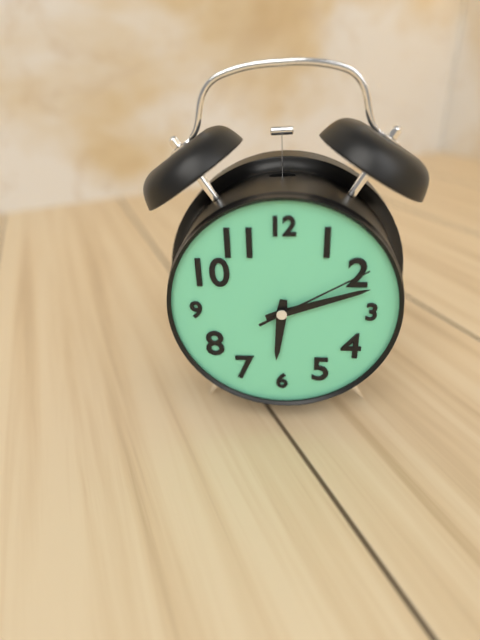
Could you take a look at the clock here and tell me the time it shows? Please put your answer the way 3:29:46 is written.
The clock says 6:12:10
